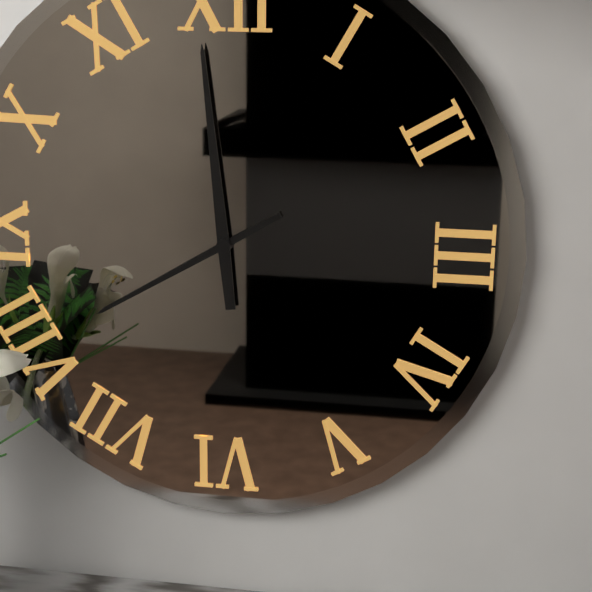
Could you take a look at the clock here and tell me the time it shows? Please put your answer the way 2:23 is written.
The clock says 7:59
